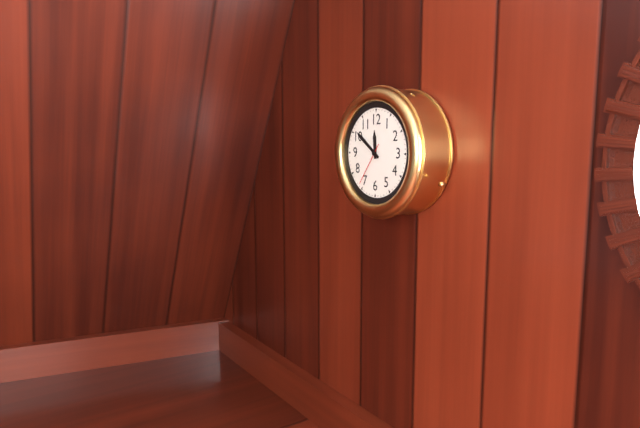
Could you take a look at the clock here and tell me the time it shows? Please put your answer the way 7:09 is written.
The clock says 11:51
